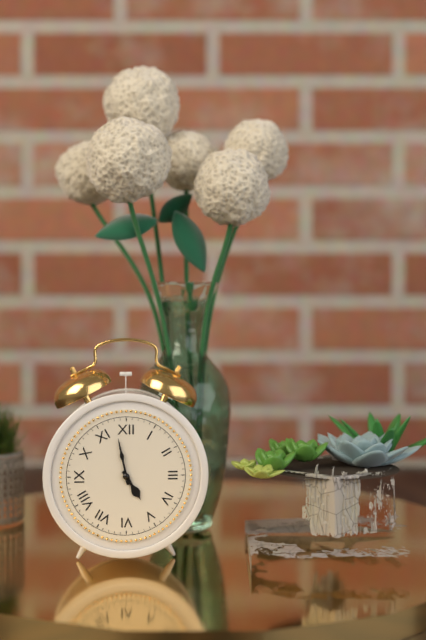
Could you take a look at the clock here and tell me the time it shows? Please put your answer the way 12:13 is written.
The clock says 4:58
